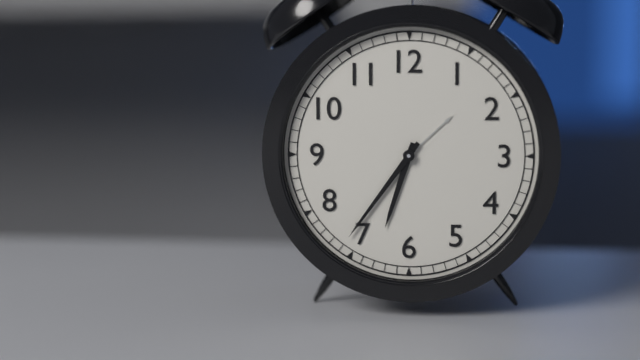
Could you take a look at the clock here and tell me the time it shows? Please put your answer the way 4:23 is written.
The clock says 6:36
